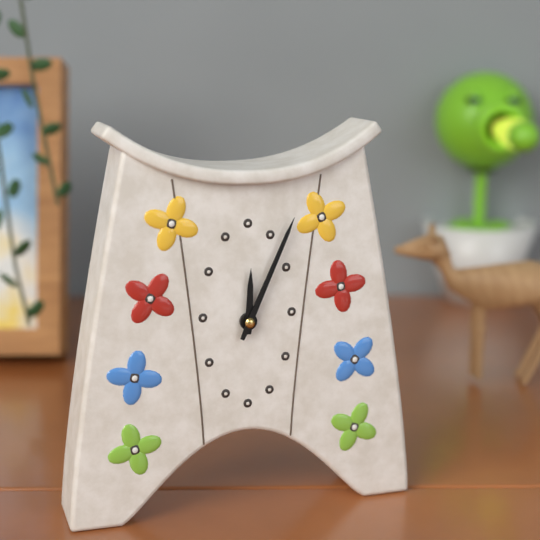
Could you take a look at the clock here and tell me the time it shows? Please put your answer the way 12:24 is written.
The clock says 12:04
